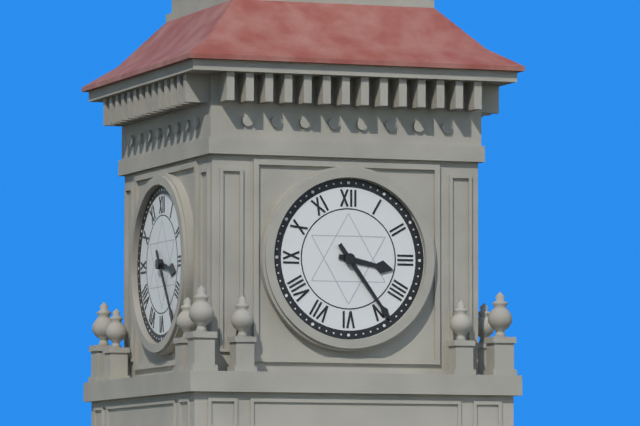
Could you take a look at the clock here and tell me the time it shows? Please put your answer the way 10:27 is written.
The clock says 3:24
